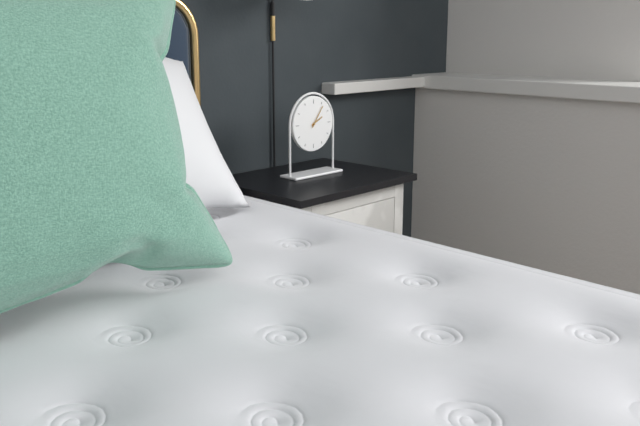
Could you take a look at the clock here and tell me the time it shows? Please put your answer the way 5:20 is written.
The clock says 2:06
